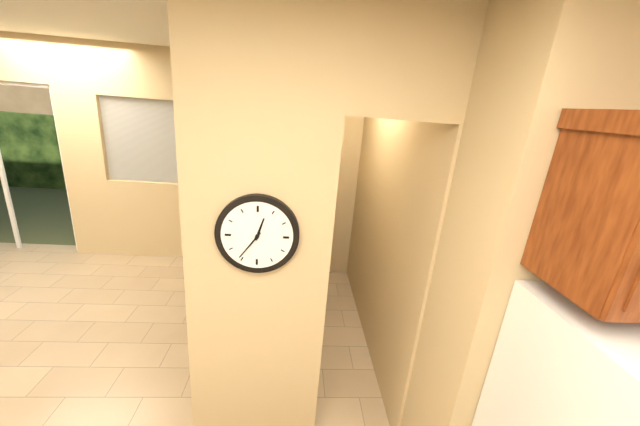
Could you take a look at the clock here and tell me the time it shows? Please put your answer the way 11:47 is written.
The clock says 12:36
